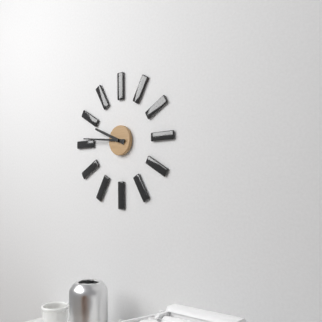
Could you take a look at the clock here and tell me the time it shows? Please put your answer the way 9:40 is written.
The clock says 9:46
